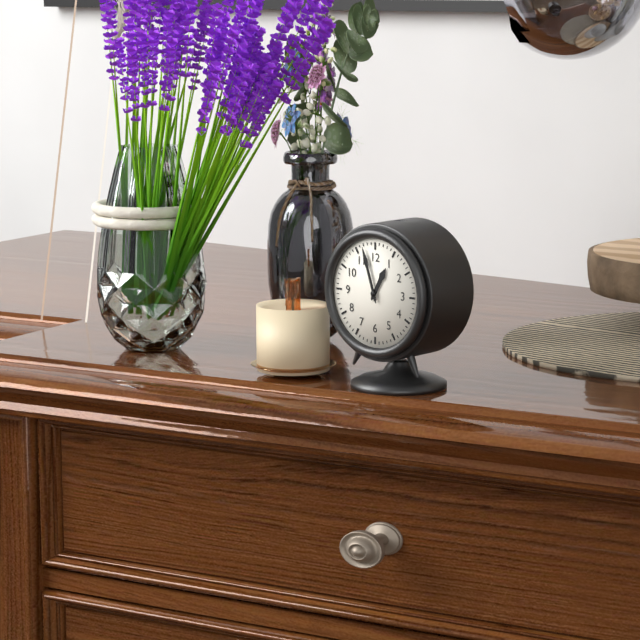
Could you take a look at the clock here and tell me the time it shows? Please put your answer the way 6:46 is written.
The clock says 12:57
